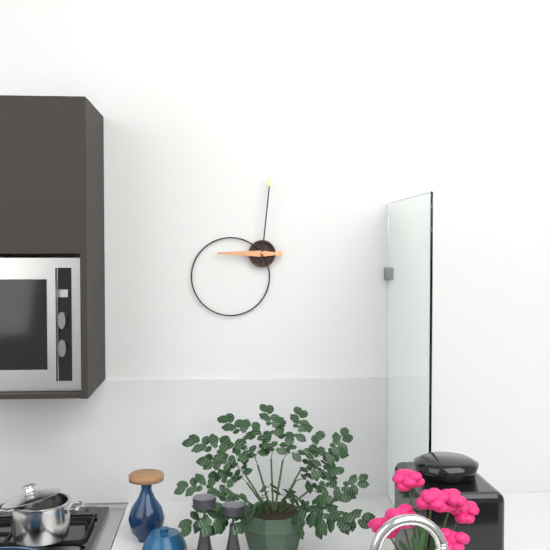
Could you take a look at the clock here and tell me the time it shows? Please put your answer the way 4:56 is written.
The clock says 9:01
